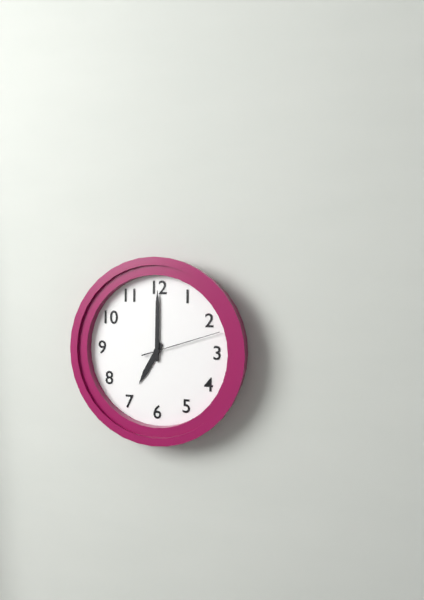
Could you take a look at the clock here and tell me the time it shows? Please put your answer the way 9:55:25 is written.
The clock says 7:00:12
